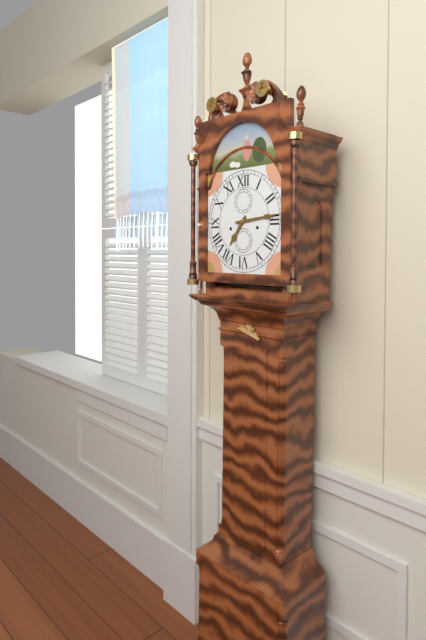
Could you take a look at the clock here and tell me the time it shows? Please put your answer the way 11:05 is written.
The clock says 7:14
